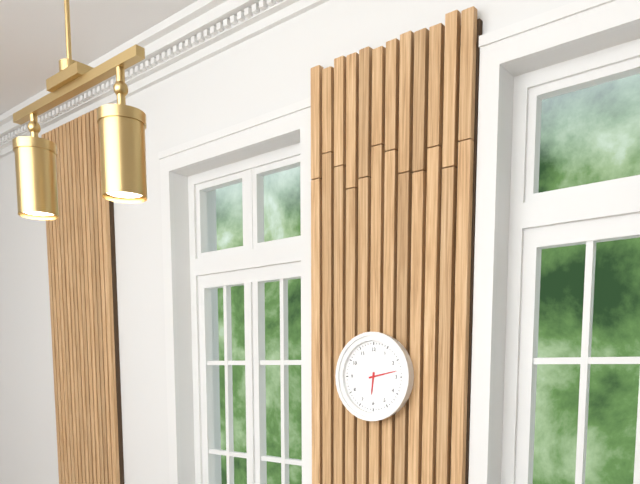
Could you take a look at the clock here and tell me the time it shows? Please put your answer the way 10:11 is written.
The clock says 6:13
